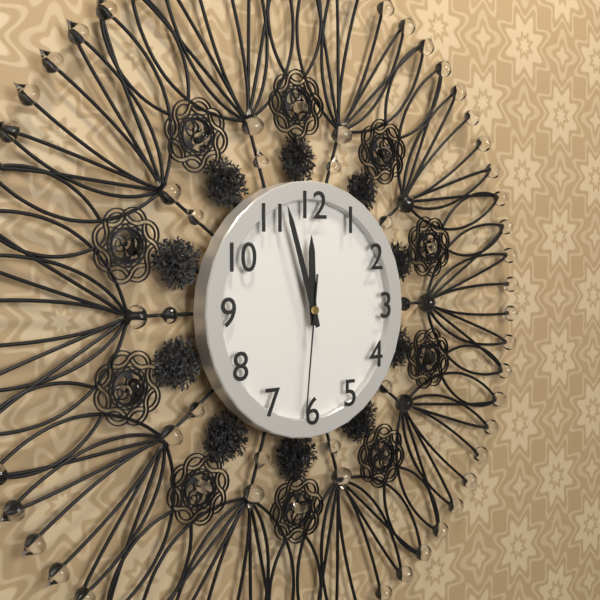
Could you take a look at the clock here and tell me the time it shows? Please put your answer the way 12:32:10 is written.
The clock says 11:57:31
